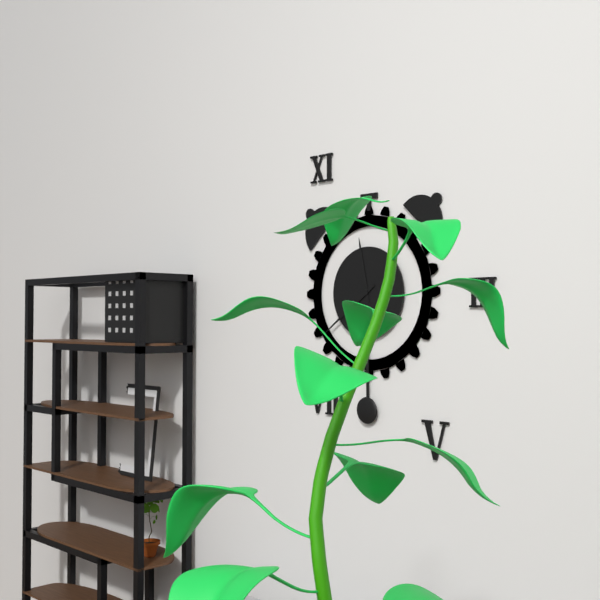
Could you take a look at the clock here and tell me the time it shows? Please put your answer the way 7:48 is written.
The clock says 11:39
